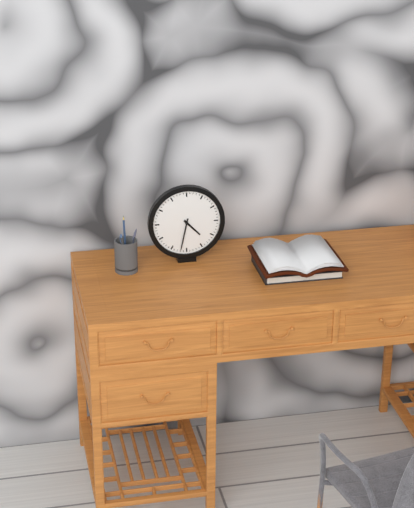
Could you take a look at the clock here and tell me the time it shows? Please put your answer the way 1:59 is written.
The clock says 4:32
